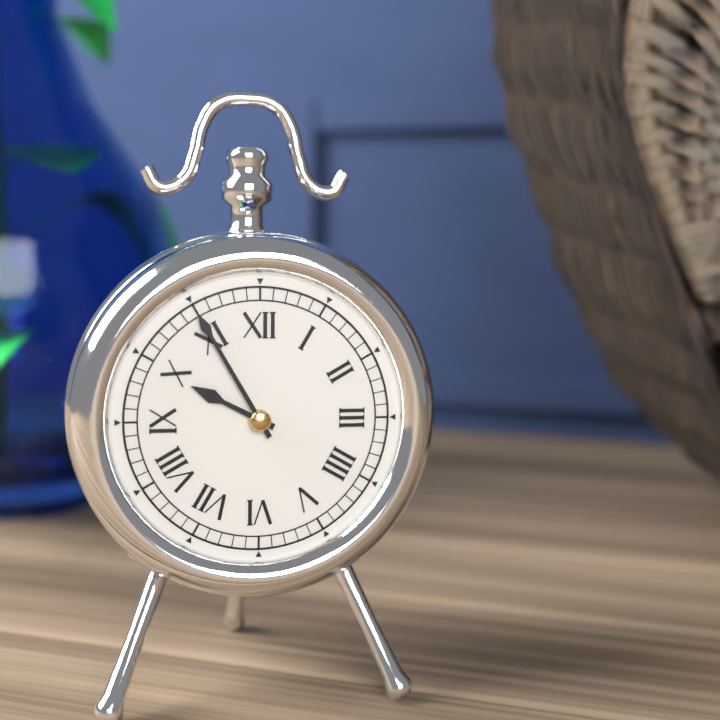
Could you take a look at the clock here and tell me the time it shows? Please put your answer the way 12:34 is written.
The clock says 9:55
